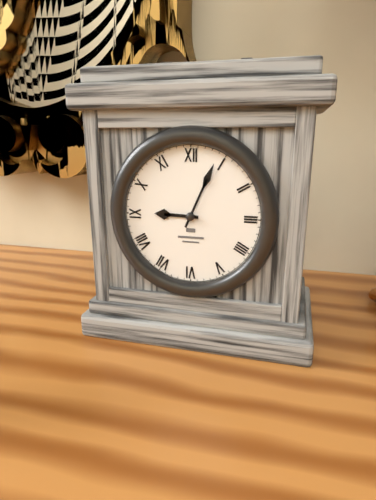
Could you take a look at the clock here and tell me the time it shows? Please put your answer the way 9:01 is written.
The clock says 9:04
